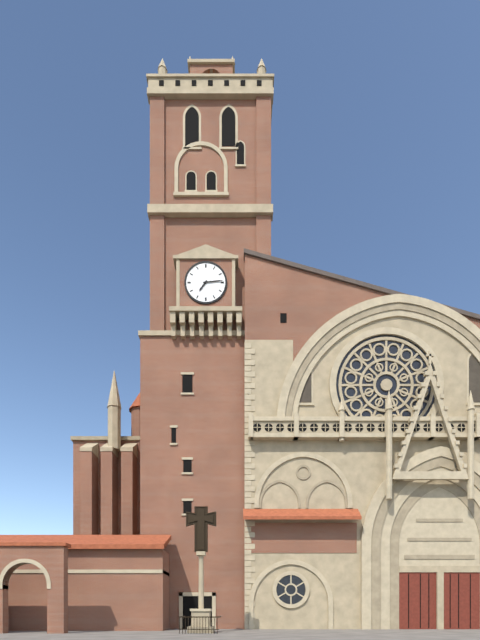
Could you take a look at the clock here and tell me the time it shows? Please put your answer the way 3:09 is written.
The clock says 7:14
